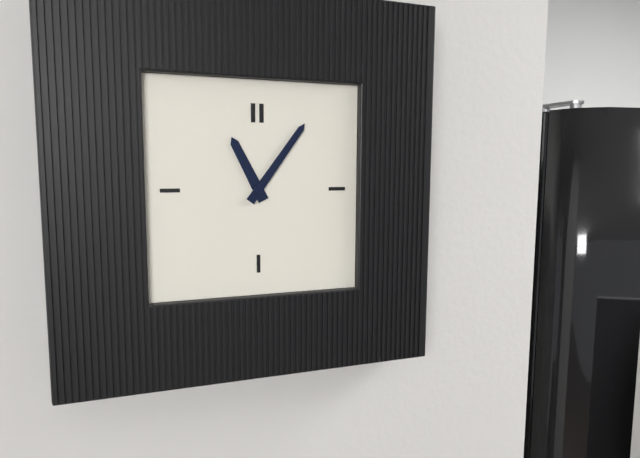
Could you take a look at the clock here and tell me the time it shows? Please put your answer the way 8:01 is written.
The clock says 11:06
